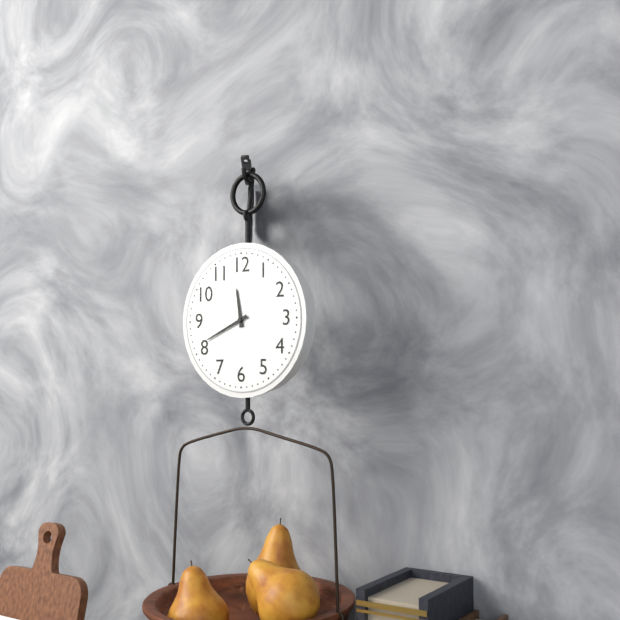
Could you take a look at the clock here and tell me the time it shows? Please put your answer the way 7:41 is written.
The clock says 11:41
